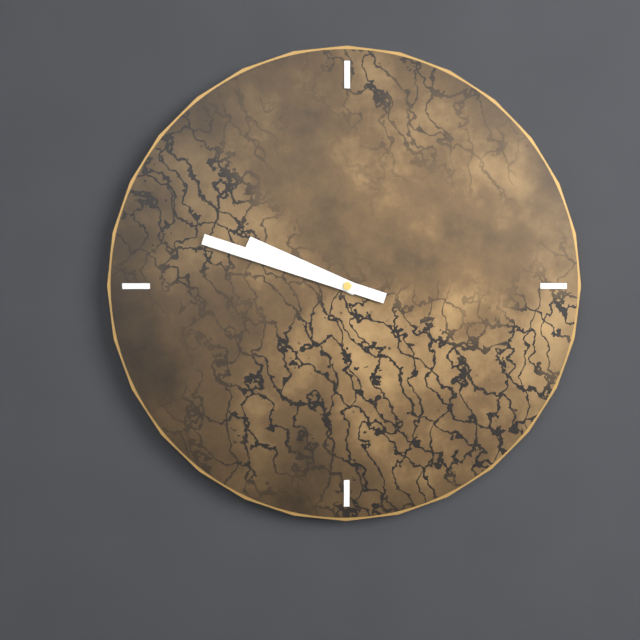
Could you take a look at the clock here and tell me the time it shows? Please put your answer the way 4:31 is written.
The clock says 9:48
